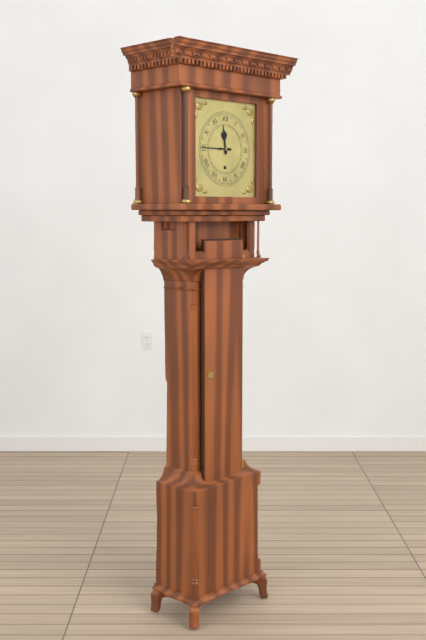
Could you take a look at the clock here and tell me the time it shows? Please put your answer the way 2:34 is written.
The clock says 11:45
